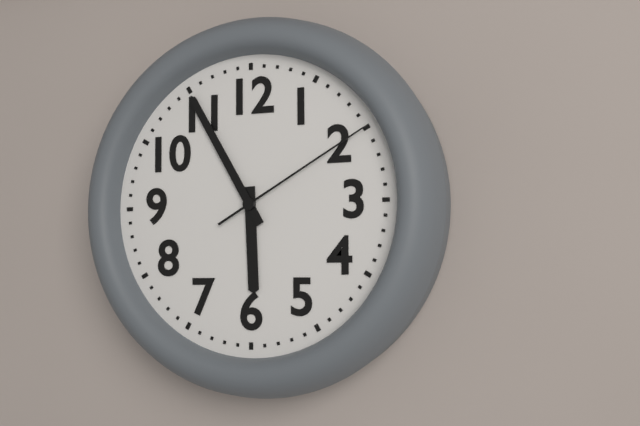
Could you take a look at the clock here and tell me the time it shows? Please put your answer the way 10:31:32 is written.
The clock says 5:55:10
